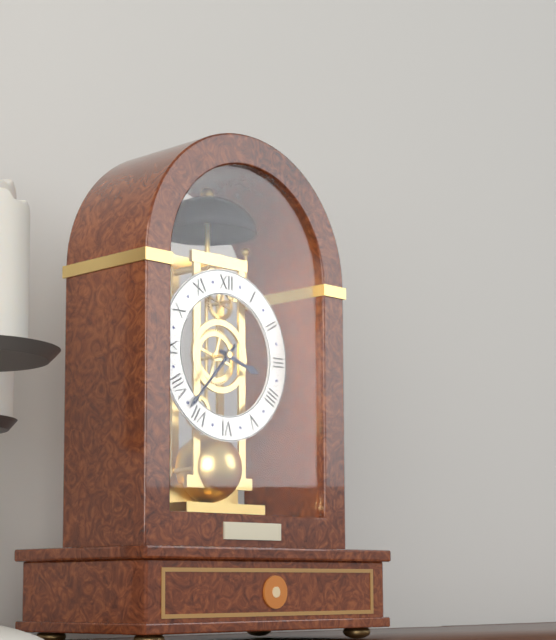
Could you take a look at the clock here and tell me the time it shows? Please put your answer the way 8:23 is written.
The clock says 3:37
